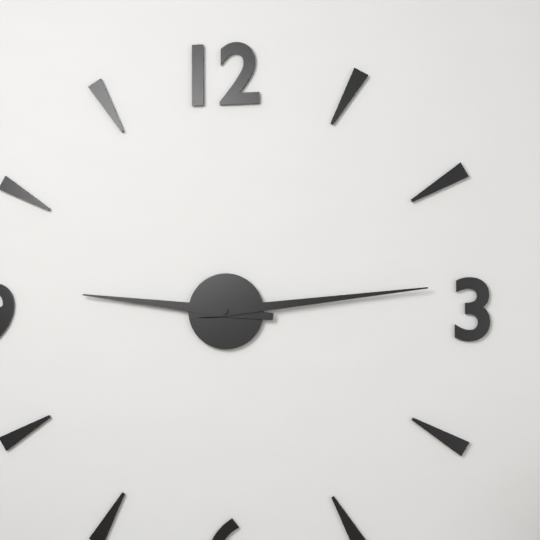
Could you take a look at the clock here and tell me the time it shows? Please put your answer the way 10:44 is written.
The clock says 9:14
